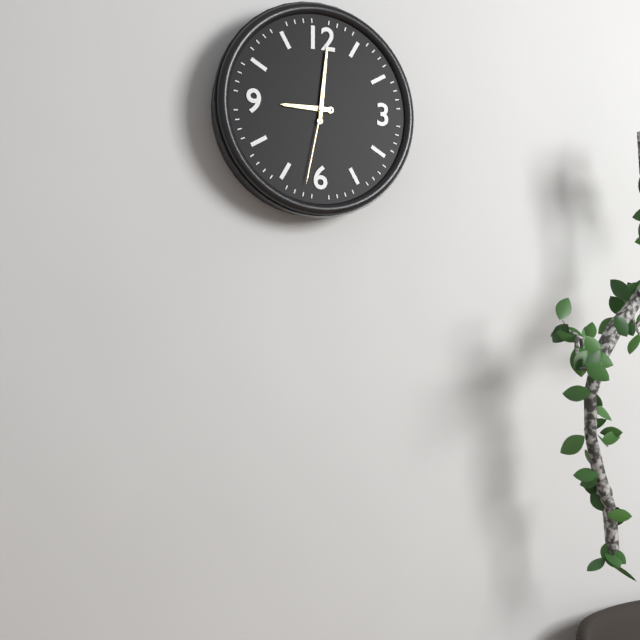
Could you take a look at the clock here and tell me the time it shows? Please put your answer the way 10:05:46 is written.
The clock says 9:01:32
